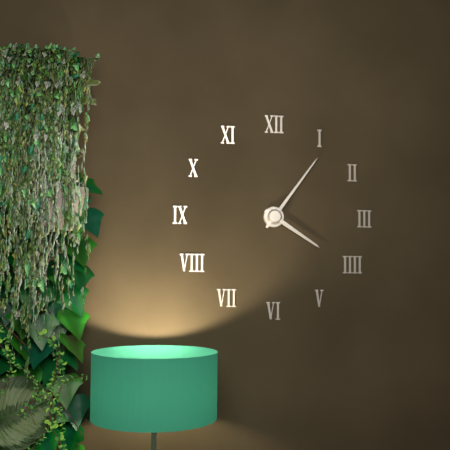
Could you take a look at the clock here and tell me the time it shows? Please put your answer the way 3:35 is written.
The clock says 4:06
